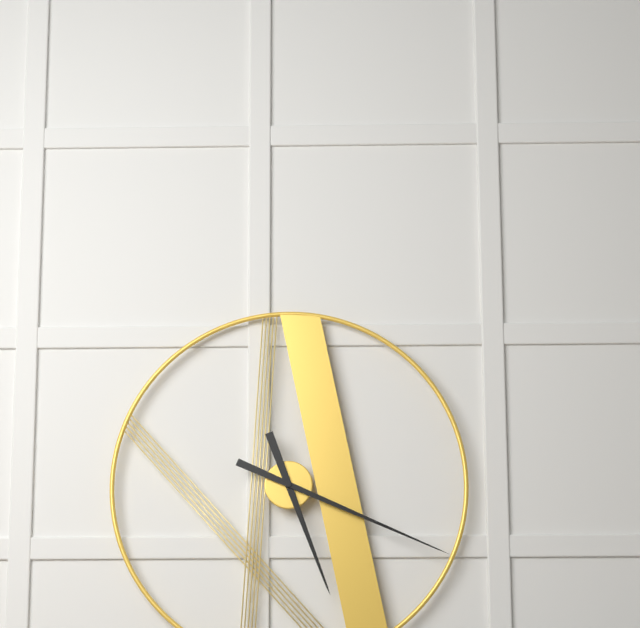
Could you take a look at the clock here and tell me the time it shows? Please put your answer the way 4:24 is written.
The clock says 5:19
